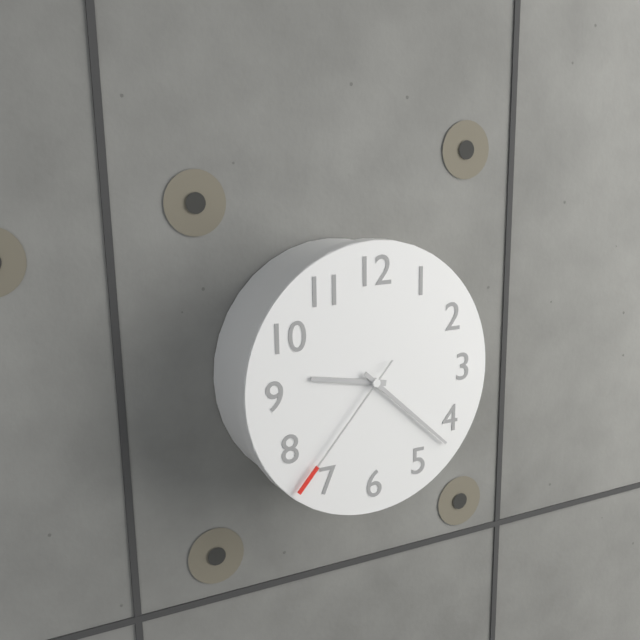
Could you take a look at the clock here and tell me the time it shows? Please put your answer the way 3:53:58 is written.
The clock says 9:22:37
